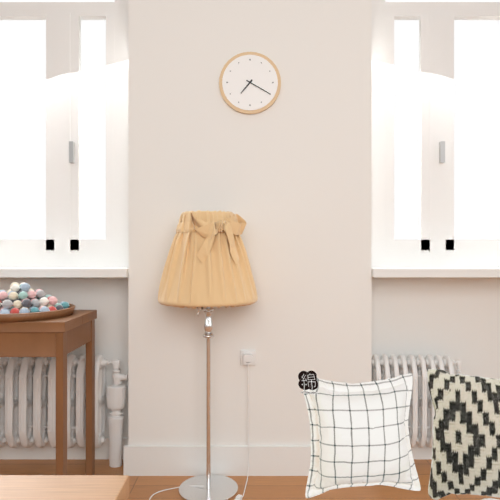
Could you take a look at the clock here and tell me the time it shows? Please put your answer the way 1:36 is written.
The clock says 7:20
